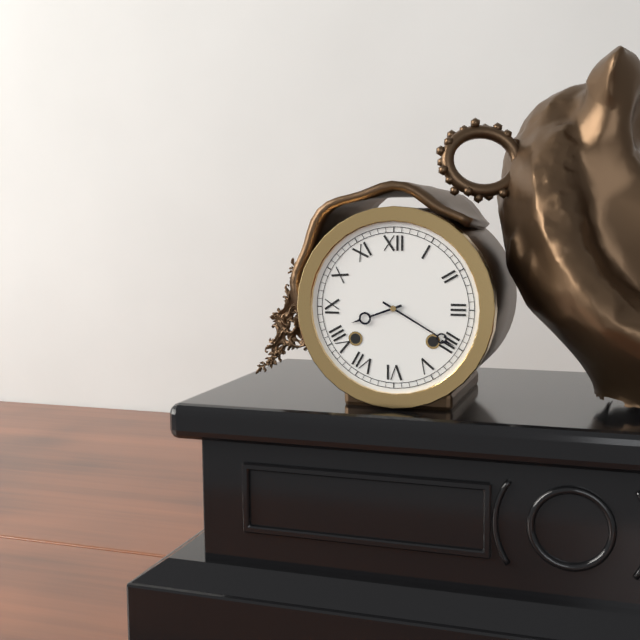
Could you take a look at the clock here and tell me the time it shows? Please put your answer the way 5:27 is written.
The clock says 8:20
